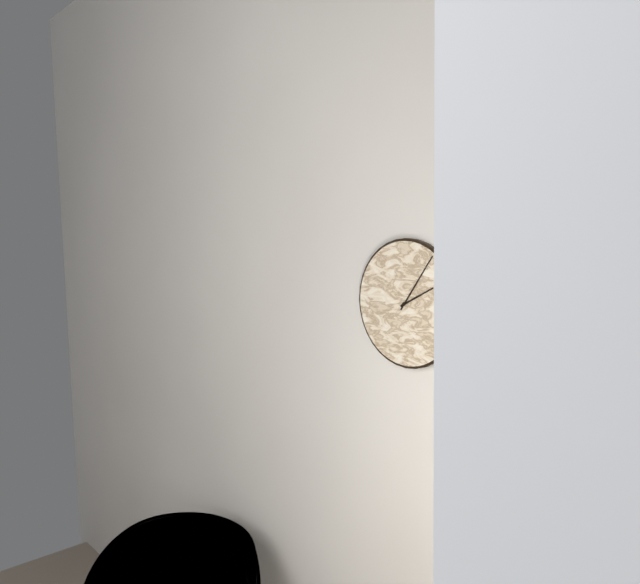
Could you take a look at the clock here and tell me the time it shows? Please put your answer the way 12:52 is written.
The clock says 2:06
